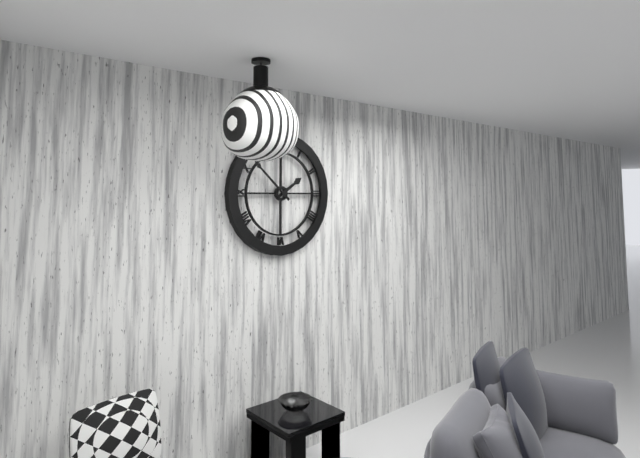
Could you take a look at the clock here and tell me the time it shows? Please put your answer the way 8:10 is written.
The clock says 1:52
